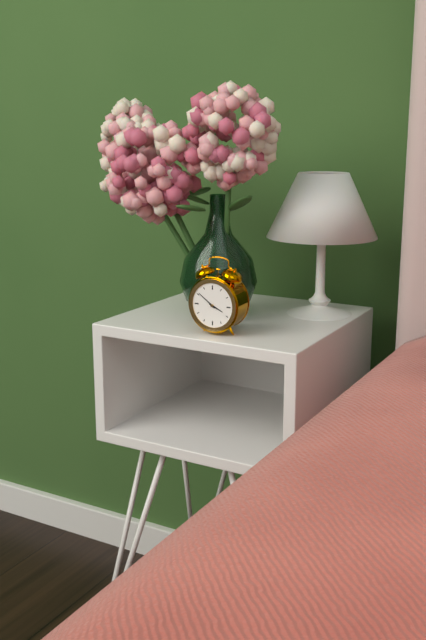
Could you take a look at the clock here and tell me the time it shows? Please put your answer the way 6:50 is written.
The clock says 3:51
